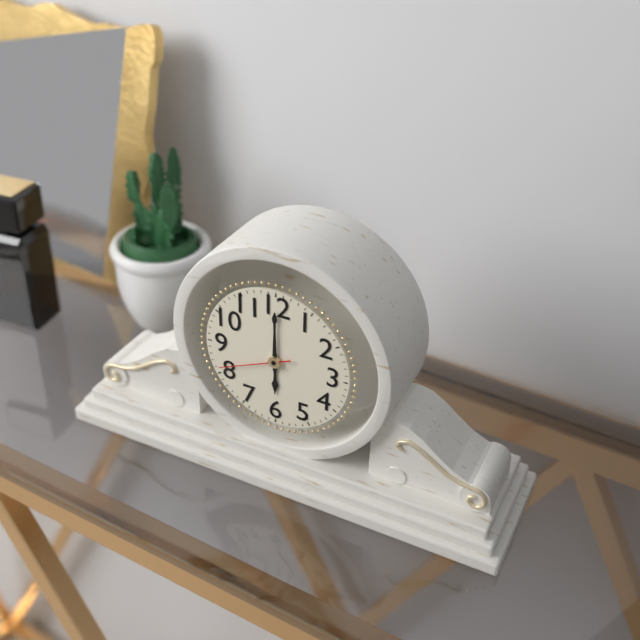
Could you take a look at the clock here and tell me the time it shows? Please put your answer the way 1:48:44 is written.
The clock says 6:00:41
